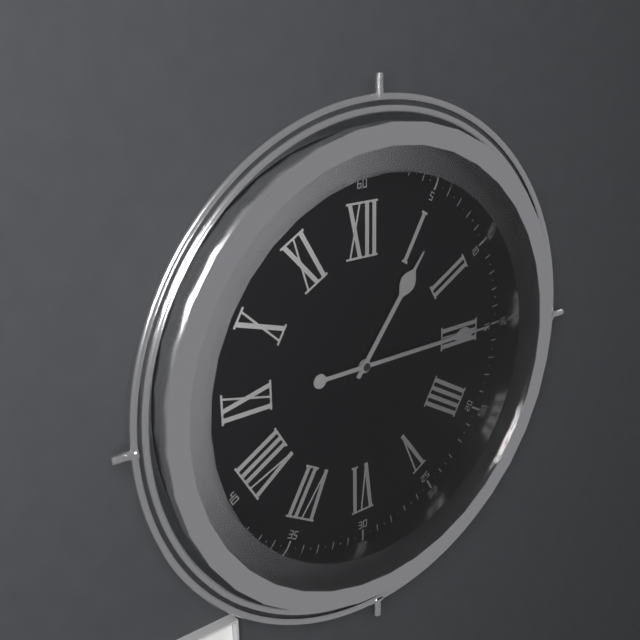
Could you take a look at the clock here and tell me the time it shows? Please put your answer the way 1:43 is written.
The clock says 1:15
